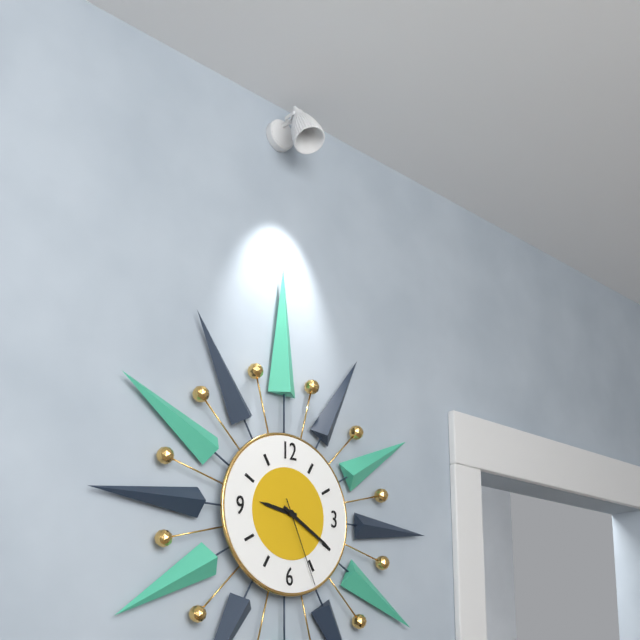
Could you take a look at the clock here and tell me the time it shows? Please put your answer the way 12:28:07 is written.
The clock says 9:20:26
